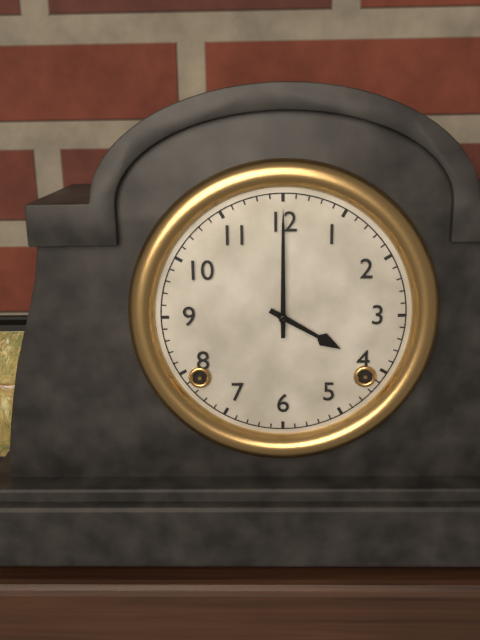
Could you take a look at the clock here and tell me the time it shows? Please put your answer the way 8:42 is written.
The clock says 4:00
